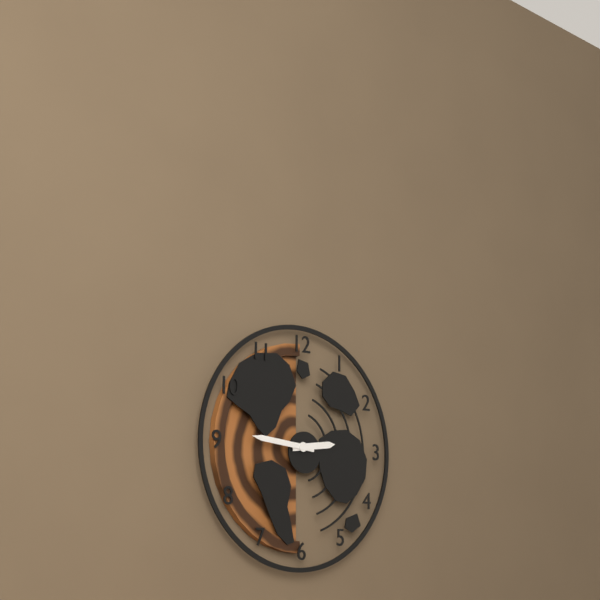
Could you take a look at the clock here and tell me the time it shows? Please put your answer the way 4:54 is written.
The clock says 2:46
